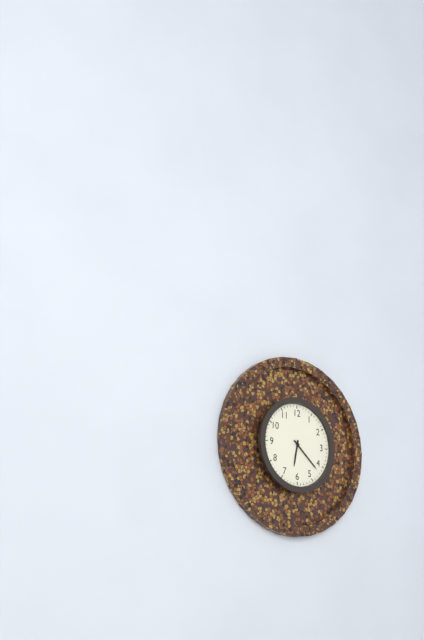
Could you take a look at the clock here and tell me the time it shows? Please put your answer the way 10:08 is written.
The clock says 6:22
